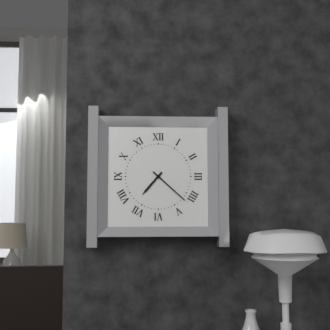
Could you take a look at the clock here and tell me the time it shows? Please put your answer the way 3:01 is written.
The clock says 7:22
